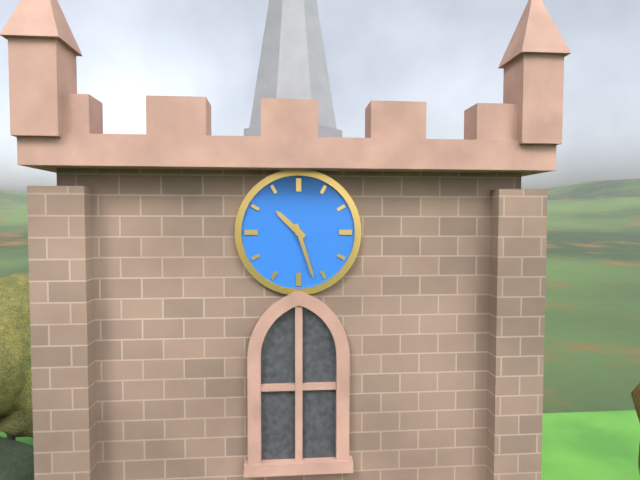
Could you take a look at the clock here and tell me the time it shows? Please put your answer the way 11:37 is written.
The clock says 10:27
